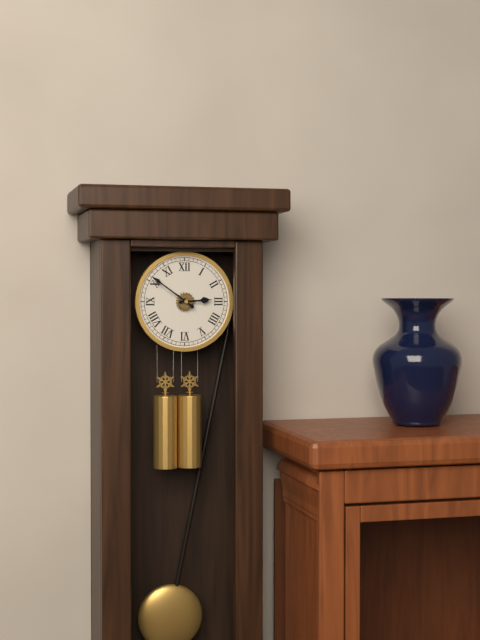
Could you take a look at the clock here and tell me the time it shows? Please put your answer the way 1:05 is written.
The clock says 2:51
